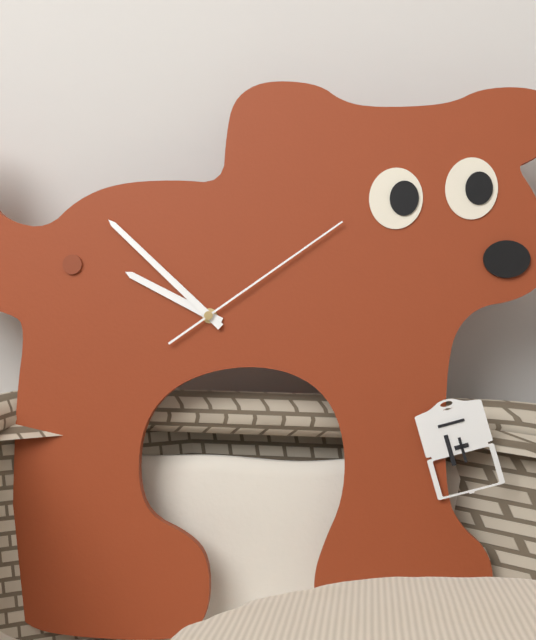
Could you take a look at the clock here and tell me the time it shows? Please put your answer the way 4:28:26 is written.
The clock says 9:52:09
